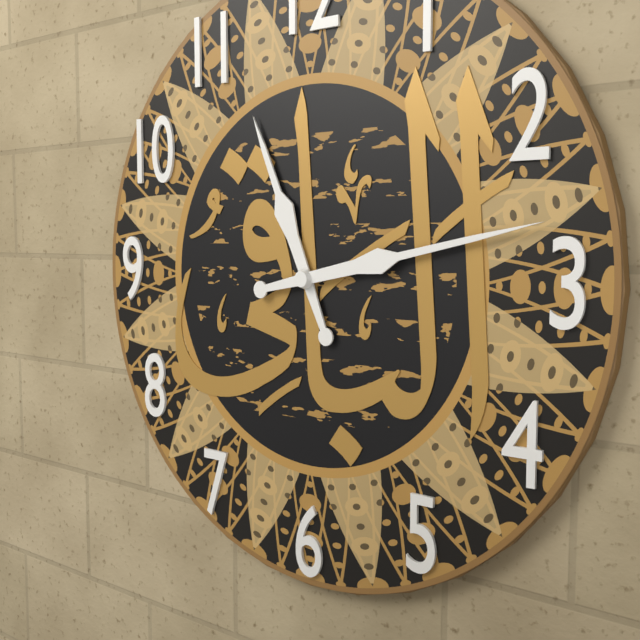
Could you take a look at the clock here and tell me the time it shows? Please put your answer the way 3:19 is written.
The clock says 11:13
